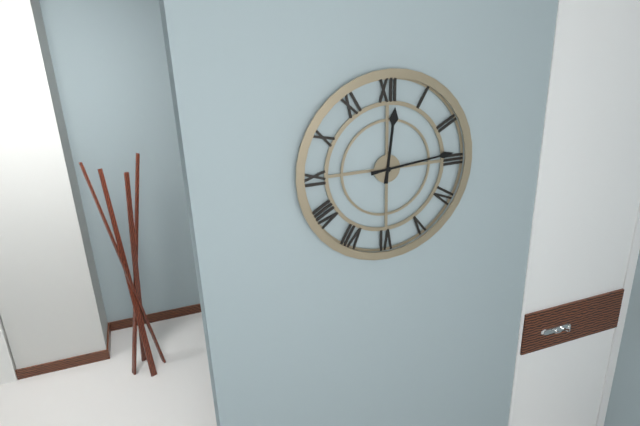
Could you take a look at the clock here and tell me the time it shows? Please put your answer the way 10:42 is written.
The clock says 12:14
